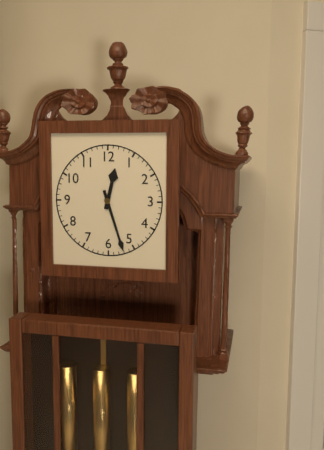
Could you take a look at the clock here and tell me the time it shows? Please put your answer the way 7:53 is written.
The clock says 12:27
